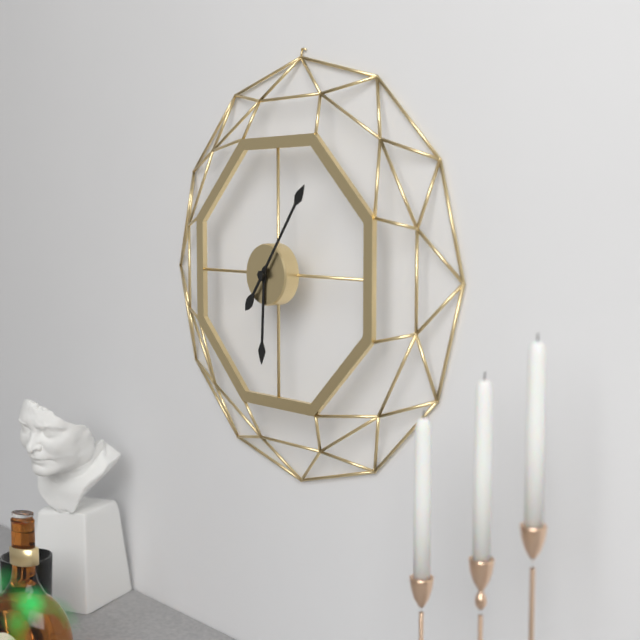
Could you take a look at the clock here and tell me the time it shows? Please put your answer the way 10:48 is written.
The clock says 6:06
